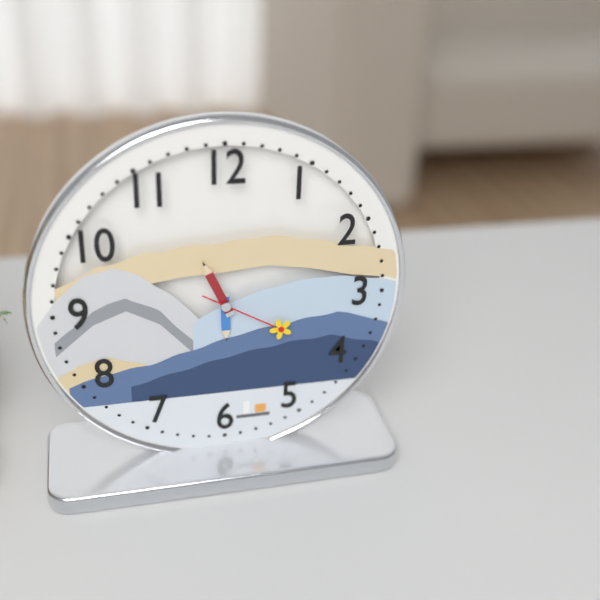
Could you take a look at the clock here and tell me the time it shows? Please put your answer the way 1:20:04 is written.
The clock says 5:56:20
